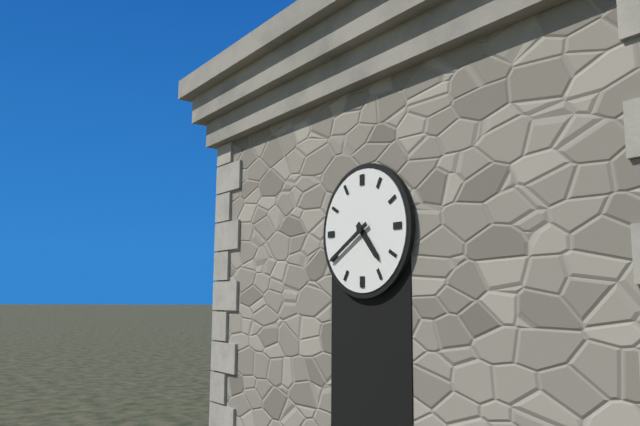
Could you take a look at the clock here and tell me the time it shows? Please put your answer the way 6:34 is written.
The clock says 4:40
